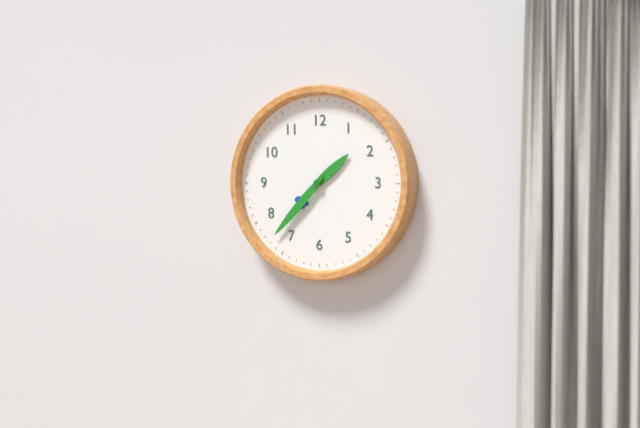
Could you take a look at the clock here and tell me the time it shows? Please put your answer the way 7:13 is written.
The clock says 1:37
